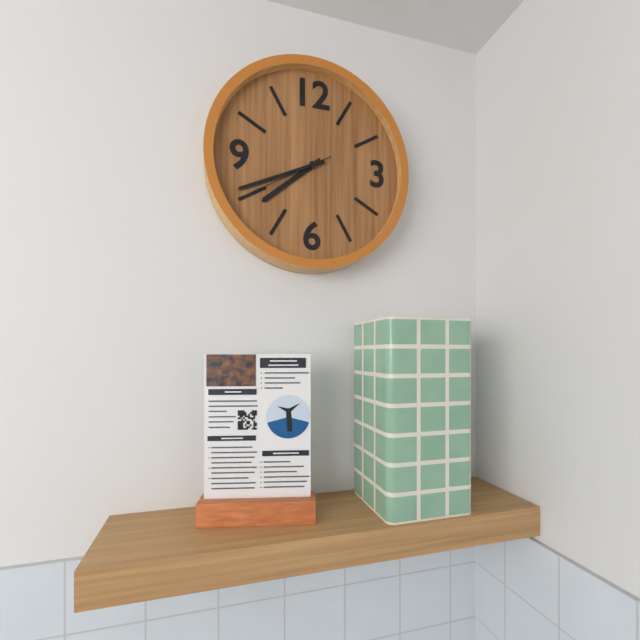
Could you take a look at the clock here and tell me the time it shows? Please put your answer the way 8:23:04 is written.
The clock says 7:41:40
